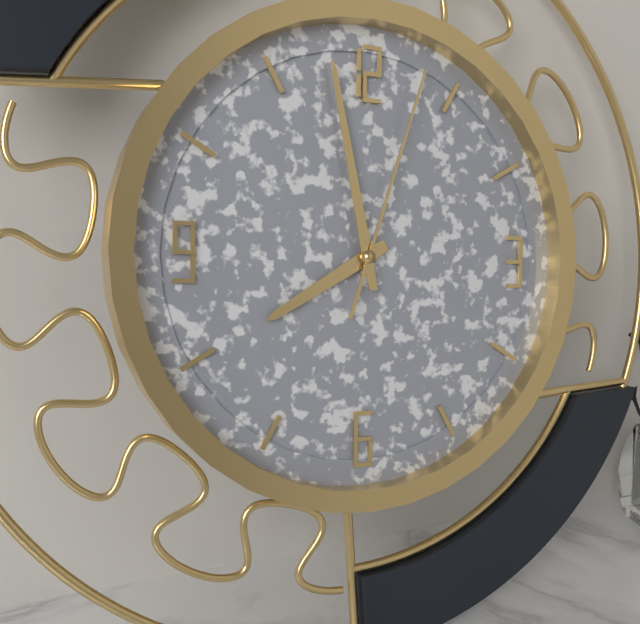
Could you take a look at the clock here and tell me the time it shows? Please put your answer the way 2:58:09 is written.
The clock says 7:58:03
